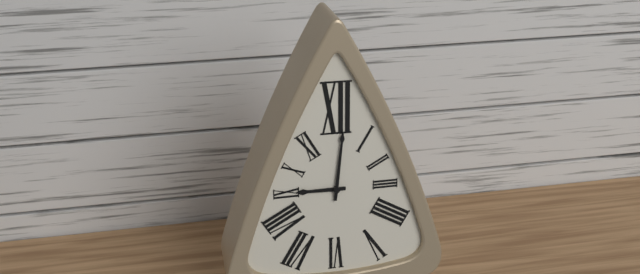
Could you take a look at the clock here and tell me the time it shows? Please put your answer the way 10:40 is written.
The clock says 9:01
